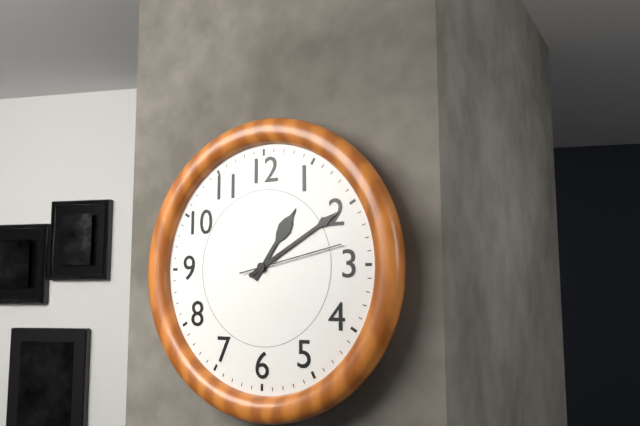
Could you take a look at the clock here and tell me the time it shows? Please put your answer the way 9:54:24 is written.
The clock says 1:10:13
